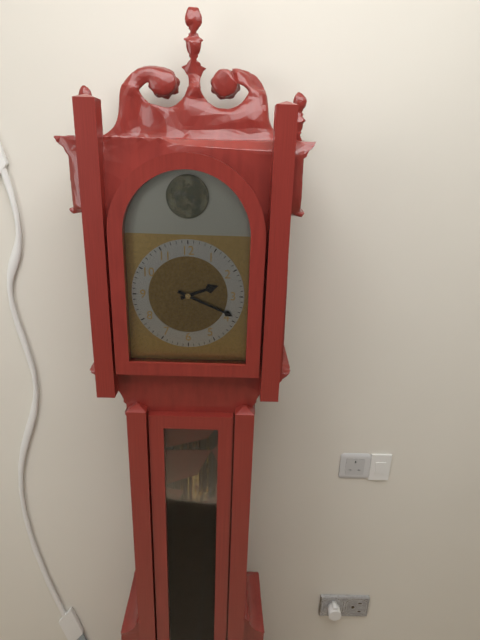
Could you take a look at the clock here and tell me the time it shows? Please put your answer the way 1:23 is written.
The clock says 2:19
